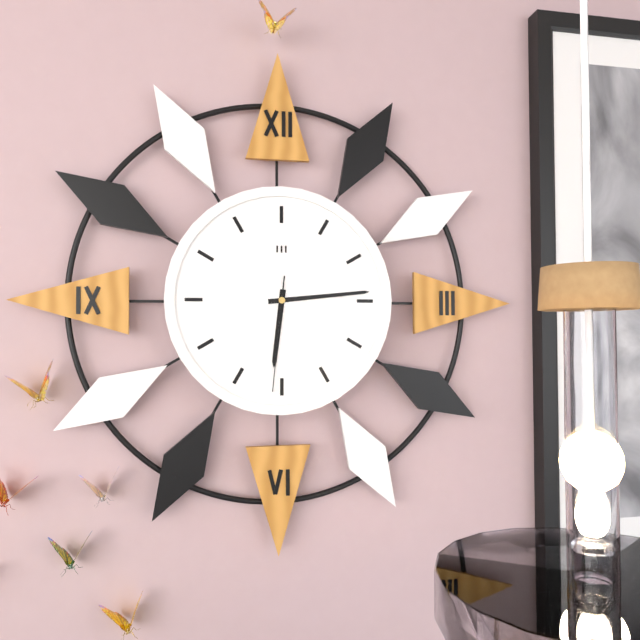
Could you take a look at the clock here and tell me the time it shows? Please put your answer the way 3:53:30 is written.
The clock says 6:14:31
